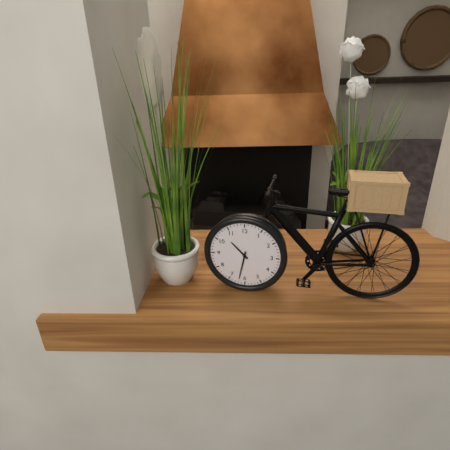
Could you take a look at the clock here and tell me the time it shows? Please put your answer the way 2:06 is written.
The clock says 10:32
